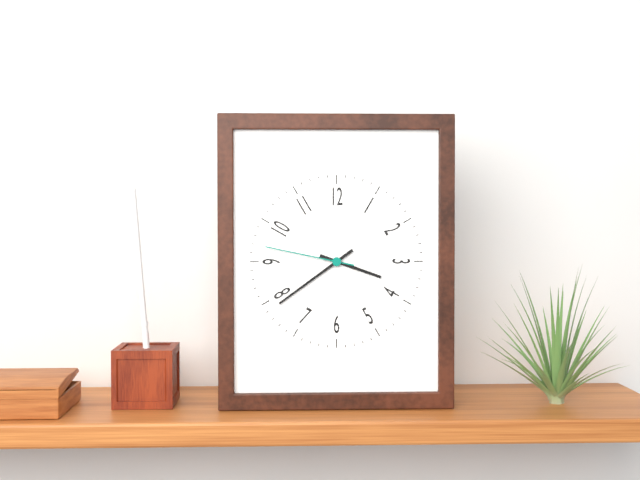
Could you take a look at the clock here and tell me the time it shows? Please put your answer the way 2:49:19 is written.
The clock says 3:39:47
